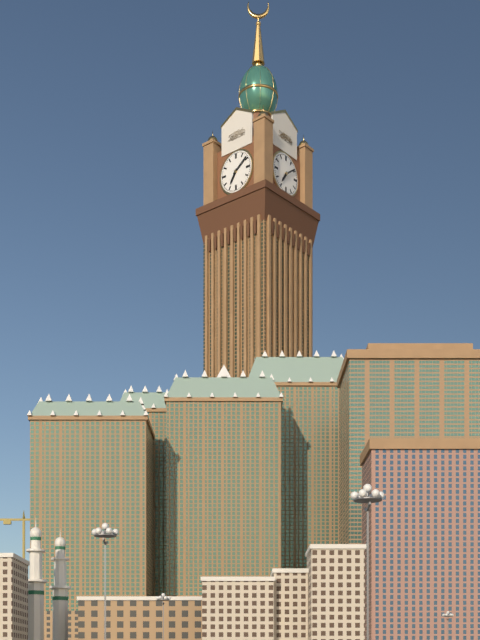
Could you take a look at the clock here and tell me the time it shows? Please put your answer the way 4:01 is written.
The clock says 7:09
